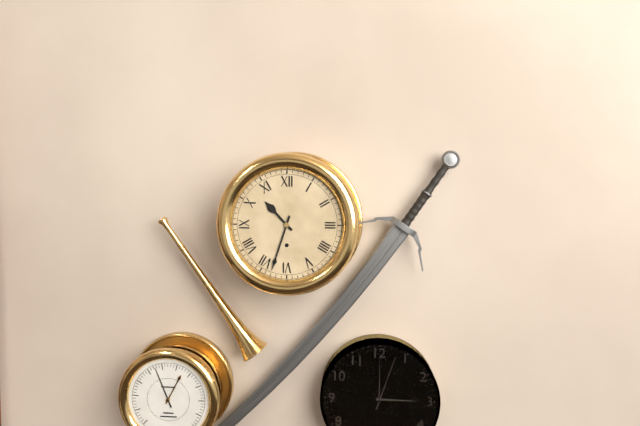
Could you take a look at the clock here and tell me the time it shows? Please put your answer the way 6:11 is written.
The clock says 10:33
